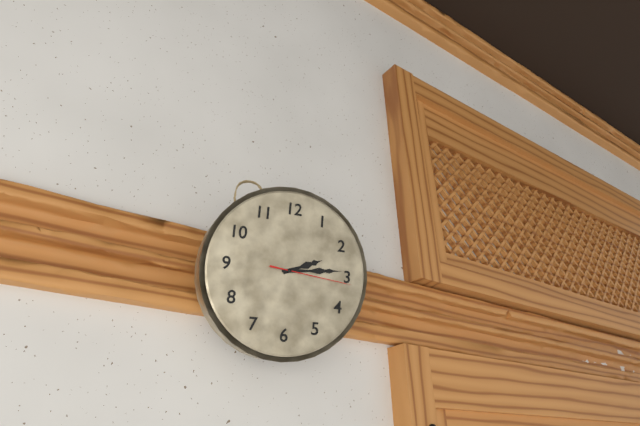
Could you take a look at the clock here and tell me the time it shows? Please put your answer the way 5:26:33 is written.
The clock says 2:14:16
